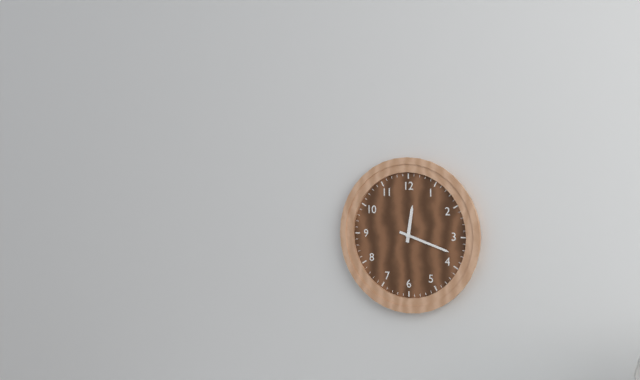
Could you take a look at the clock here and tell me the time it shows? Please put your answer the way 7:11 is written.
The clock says 12:18
